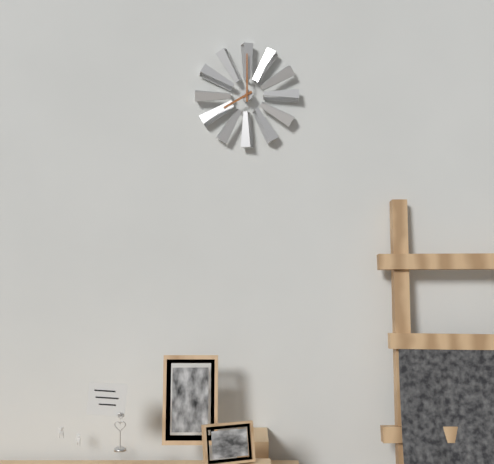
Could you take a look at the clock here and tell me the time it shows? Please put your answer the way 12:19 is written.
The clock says 8:00
